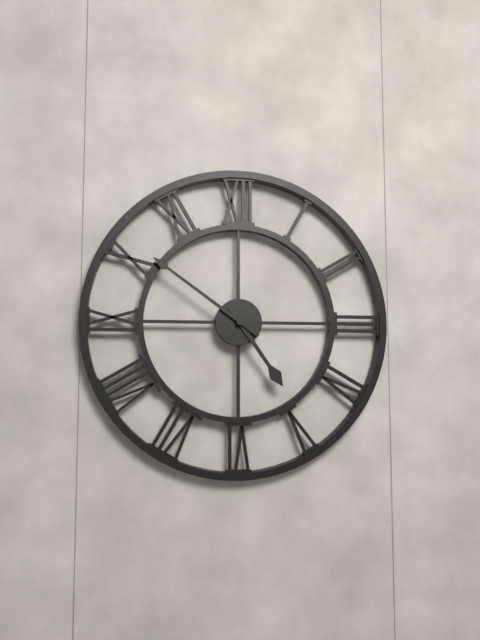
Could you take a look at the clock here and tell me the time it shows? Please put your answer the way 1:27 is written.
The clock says 4:51
